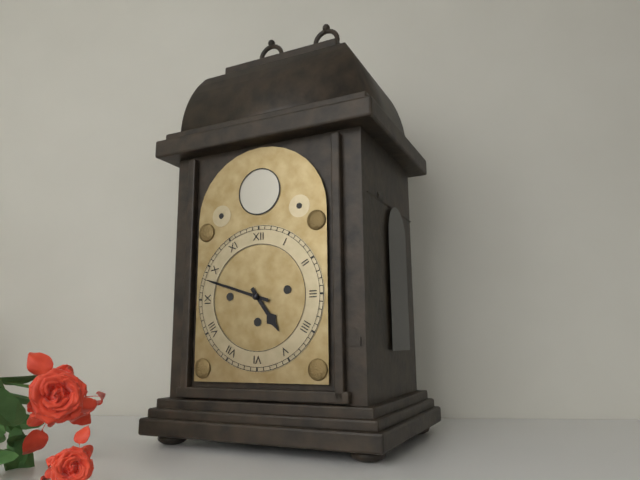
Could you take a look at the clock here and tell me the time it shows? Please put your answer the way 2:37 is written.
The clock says 4:48
